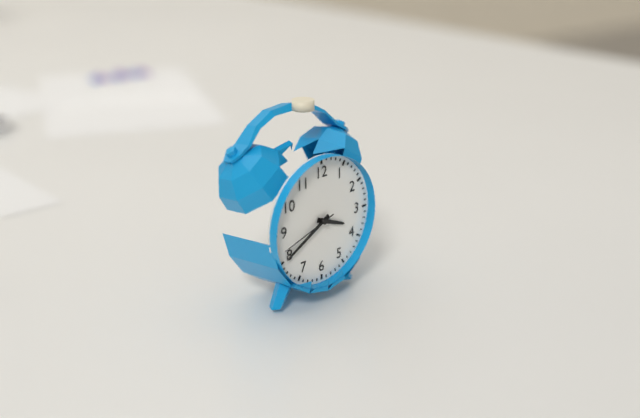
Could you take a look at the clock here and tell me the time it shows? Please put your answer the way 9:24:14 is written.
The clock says 3:40:42
